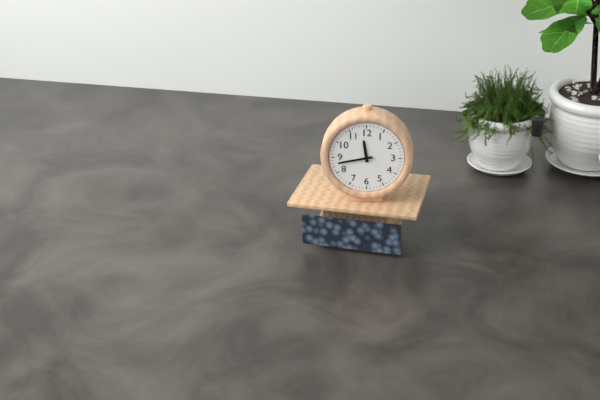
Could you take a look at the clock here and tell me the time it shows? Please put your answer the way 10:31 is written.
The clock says 11:43
